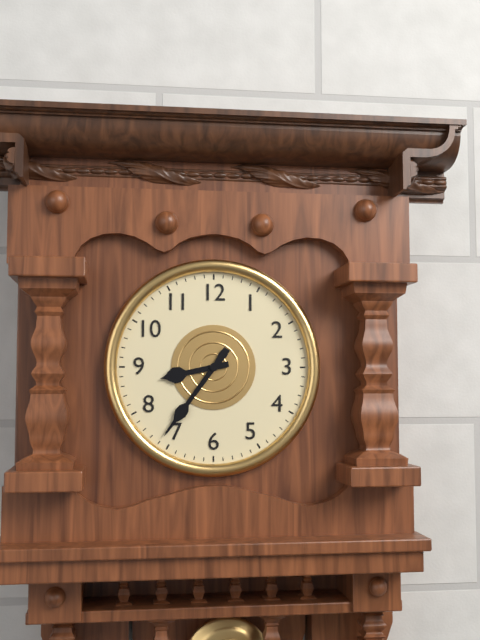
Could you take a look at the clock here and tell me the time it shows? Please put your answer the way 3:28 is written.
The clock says 8:36
